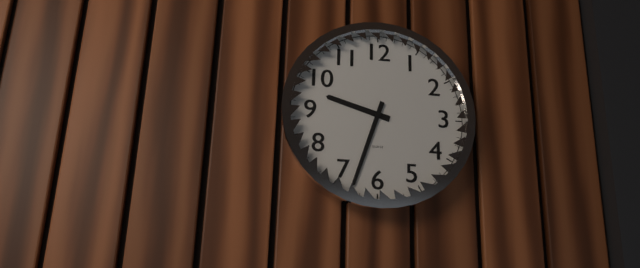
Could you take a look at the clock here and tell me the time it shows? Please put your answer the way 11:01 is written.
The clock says 9:33
